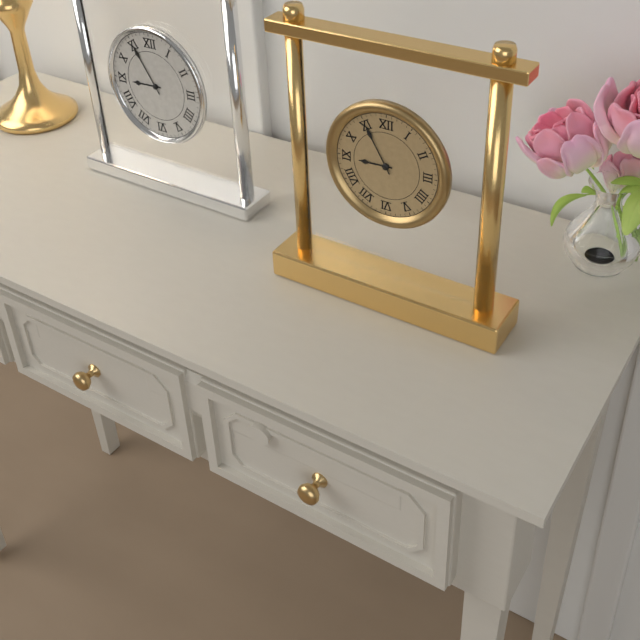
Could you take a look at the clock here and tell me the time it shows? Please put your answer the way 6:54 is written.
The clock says 8:55
